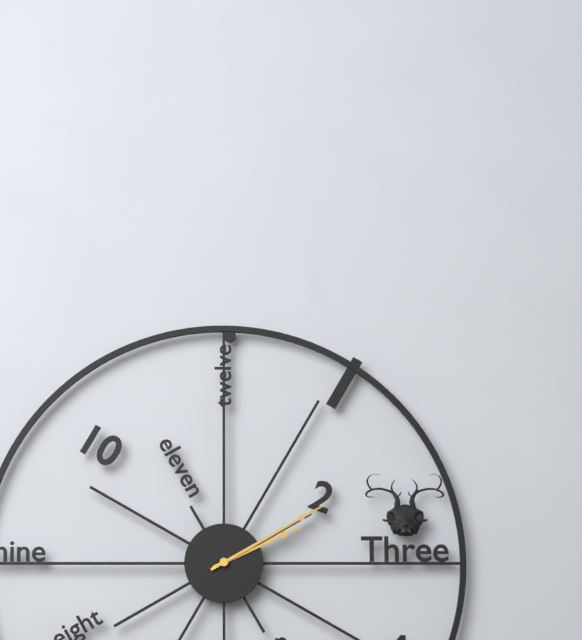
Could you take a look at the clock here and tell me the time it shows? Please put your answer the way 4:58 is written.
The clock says 2:10
